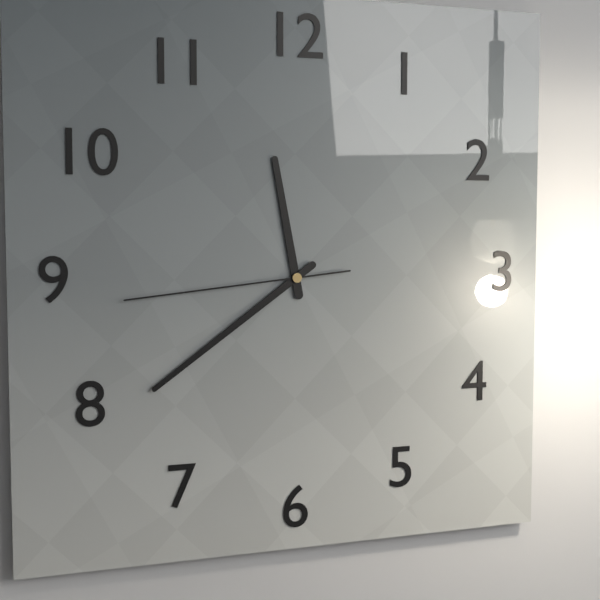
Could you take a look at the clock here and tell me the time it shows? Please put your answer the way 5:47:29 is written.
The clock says 11:39:44
